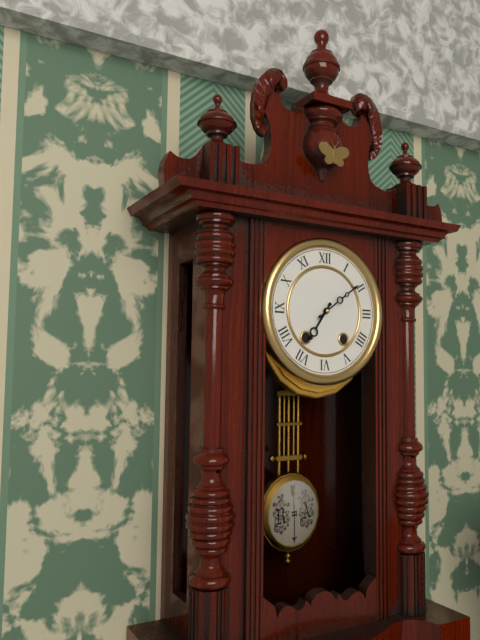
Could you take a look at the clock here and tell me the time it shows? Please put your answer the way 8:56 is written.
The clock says 7:09
